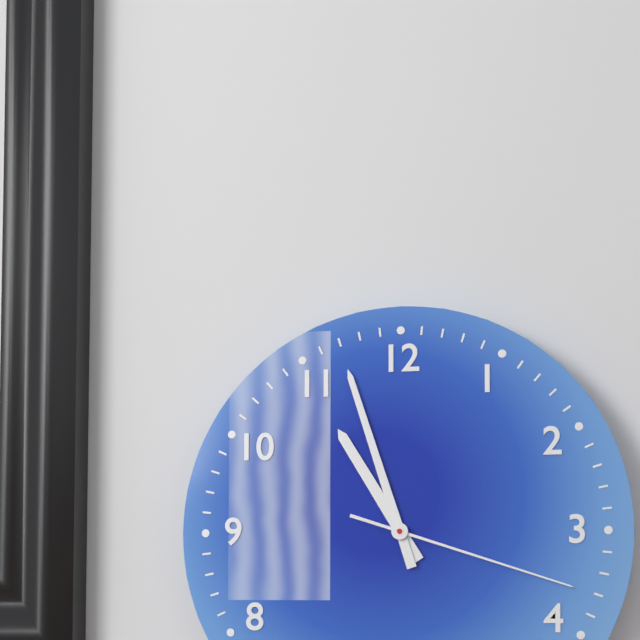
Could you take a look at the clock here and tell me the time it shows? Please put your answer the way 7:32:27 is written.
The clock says 10:57:18
